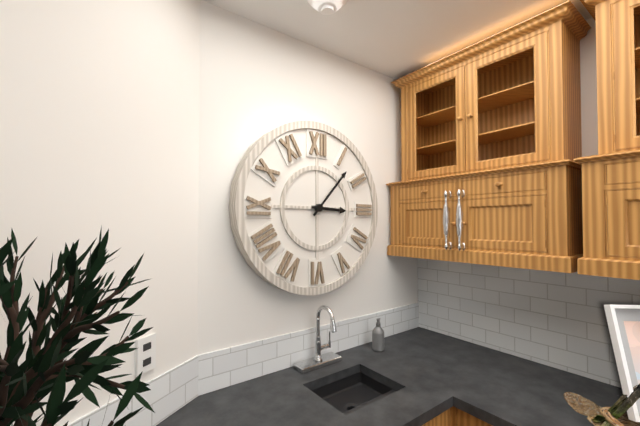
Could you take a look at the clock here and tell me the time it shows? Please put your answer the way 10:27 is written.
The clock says 3:07
